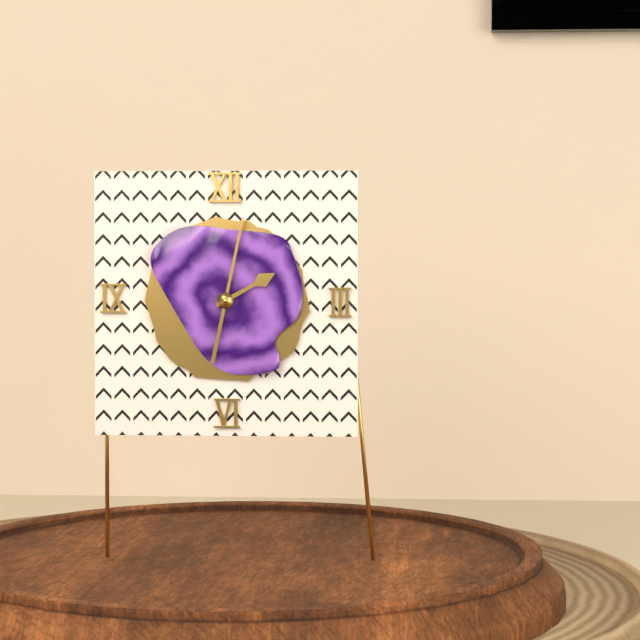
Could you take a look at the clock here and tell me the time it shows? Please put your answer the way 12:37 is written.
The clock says 2:02
